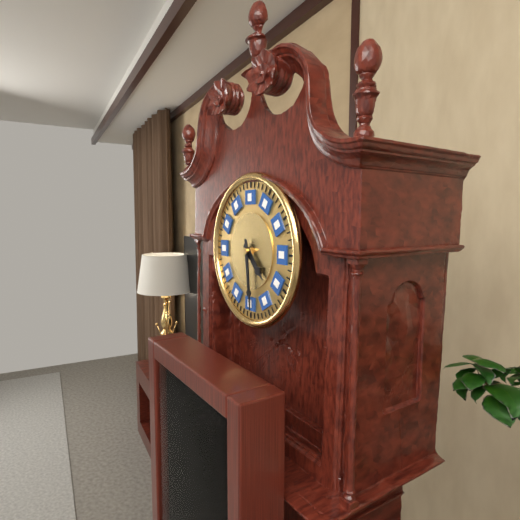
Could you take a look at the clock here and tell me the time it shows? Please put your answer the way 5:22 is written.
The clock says 4:29
